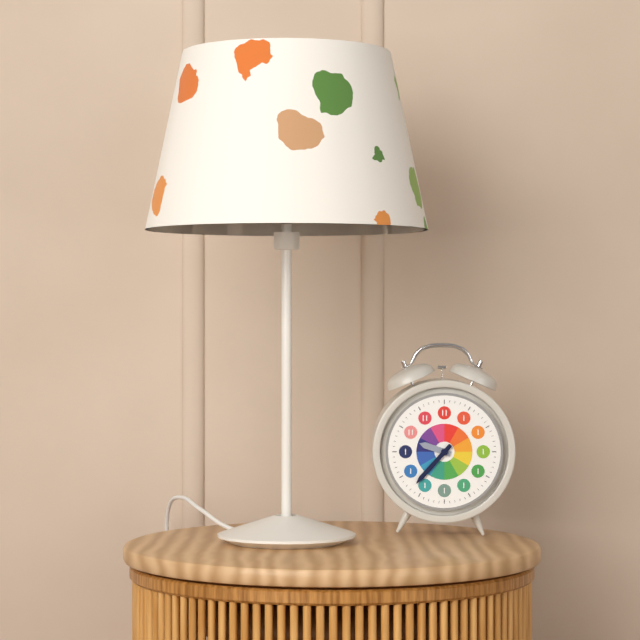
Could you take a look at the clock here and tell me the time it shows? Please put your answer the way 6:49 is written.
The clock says 9:37
